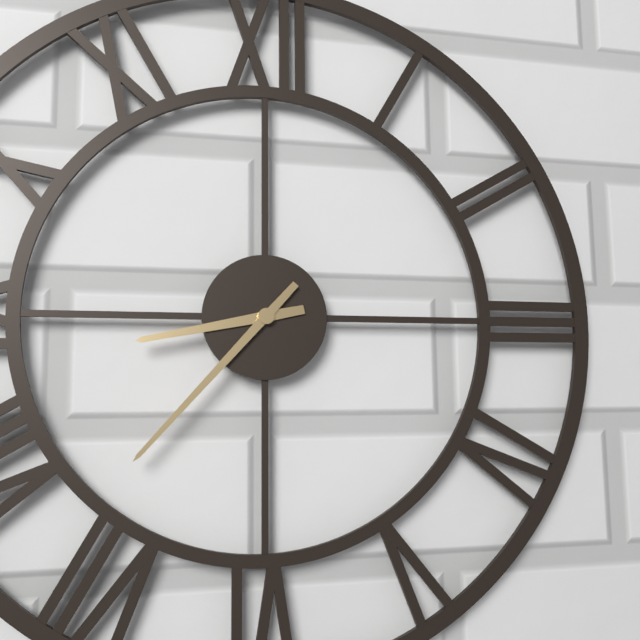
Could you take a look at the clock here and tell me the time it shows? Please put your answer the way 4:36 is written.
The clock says 8:37
